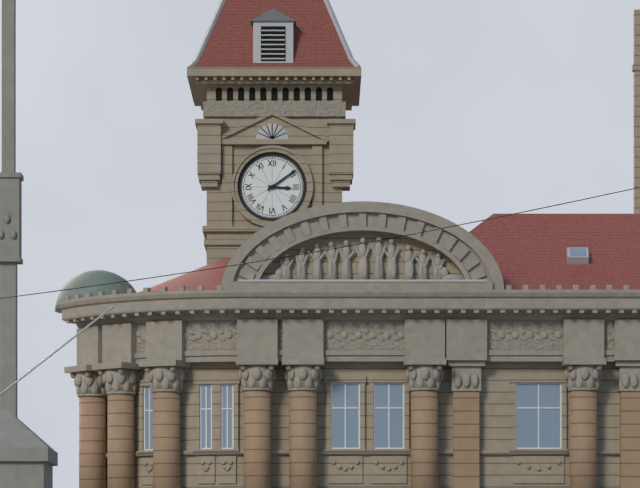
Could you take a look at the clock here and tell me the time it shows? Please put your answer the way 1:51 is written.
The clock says 3:09
